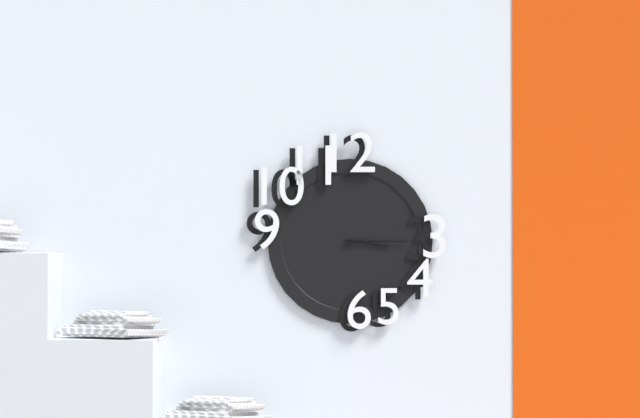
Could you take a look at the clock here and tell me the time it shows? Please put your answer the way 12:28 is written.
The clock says 3:15
